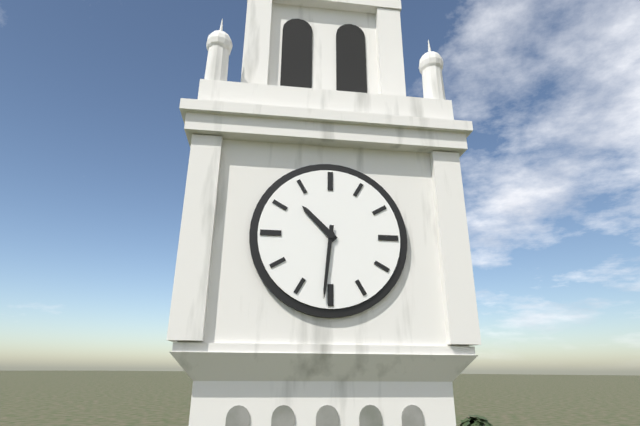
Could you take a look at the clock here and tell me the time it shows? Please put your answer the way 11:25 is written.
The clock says 10:31
